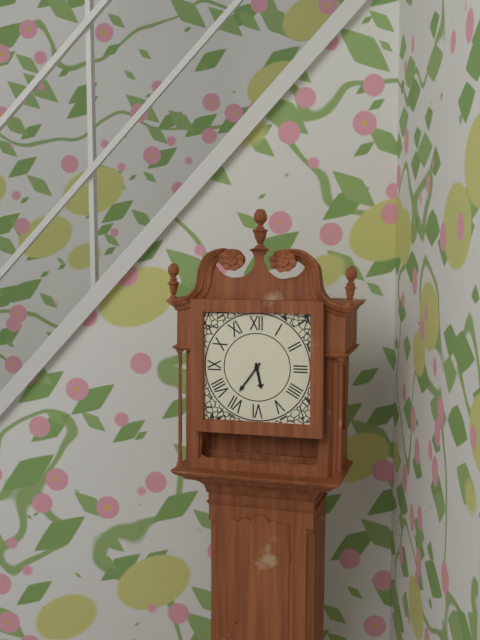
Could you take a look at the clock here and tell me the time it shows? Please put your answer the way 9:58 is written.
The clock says 5:36
